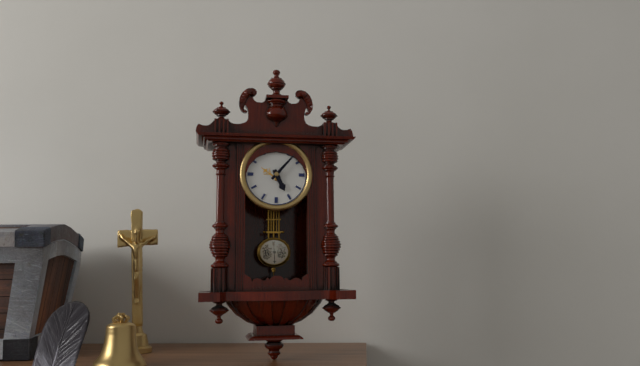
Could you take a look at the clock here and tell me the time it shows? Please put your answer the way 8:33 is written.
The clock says 5:07
